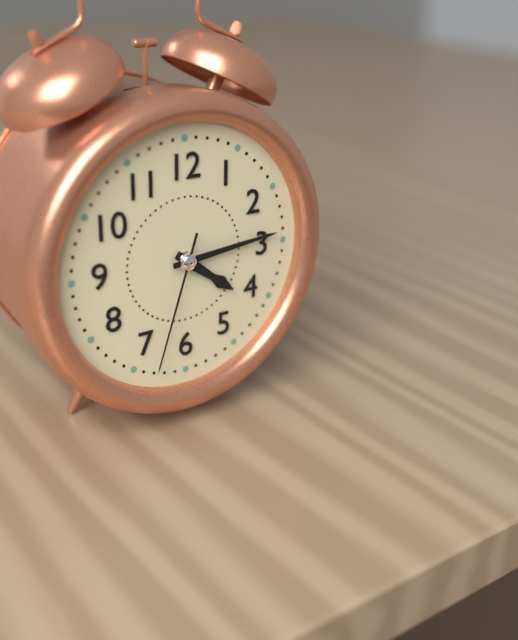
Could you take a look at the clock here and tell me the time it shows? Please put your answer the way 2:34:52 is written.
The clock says 4:14:33
